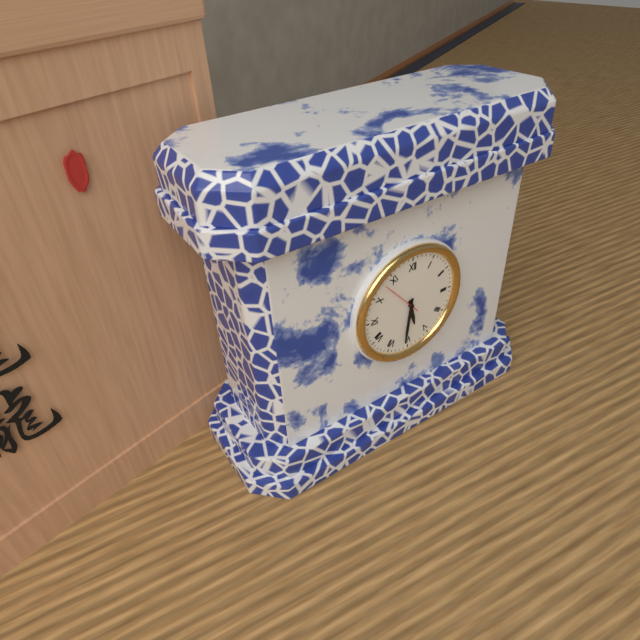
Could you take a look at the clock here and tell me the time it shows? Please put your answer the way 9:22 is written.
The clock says 5:31
